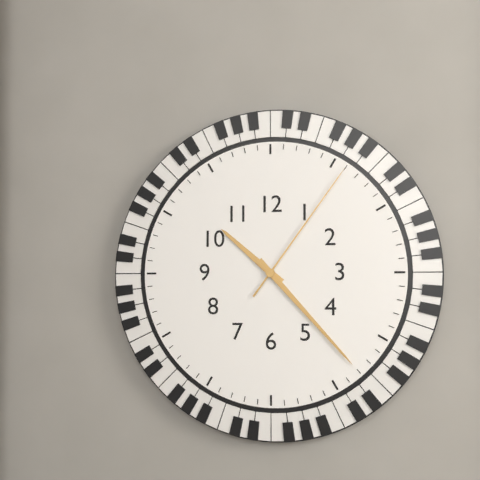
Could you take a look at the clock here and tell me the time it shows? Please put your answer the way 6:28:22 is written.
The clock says 10:23:06
